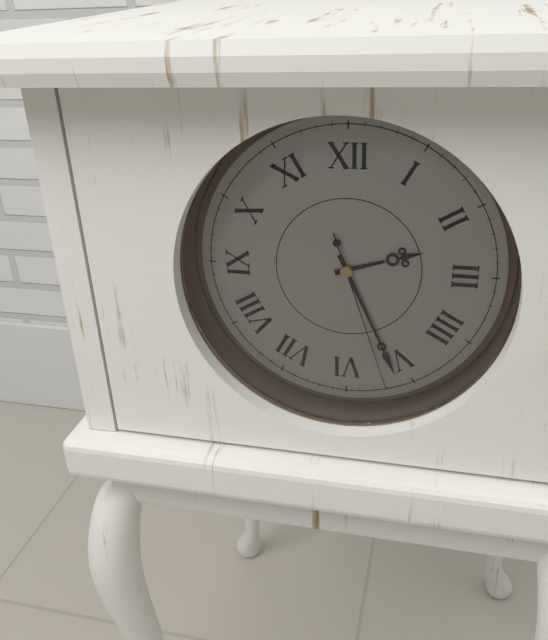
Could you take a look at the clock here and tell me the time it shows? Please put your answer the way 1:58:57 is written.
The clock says 2:26:27
